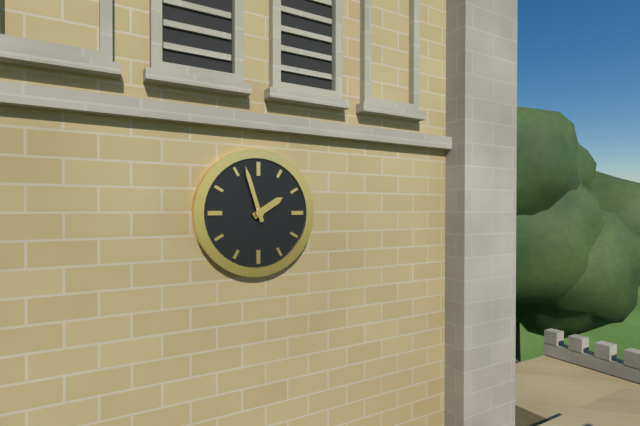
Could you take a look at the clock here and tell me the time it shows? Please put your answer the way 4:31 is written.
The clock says 1:57
